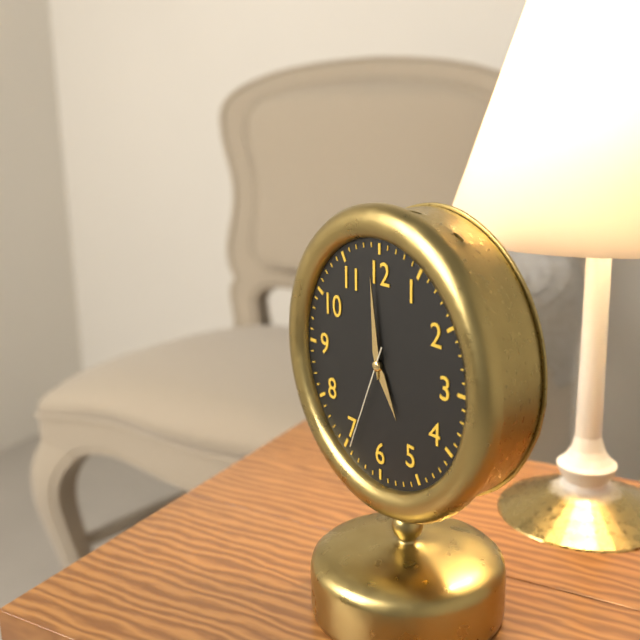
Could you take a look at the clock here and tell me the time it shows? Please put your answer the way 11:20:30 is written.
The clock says 4:59:34
